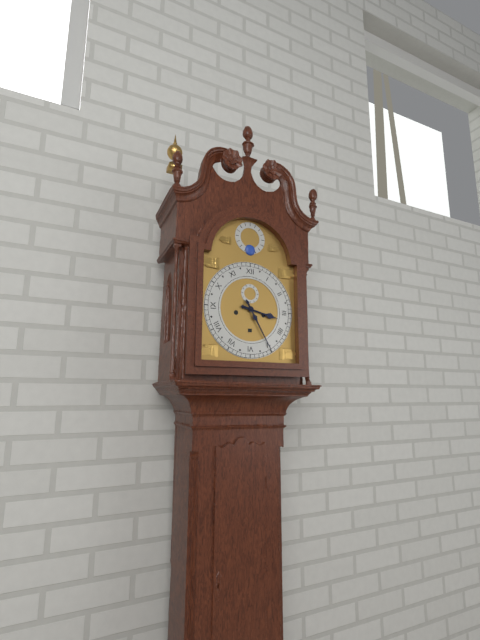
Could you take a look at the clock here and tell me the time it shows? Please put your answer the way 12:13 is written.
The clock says 3:25
